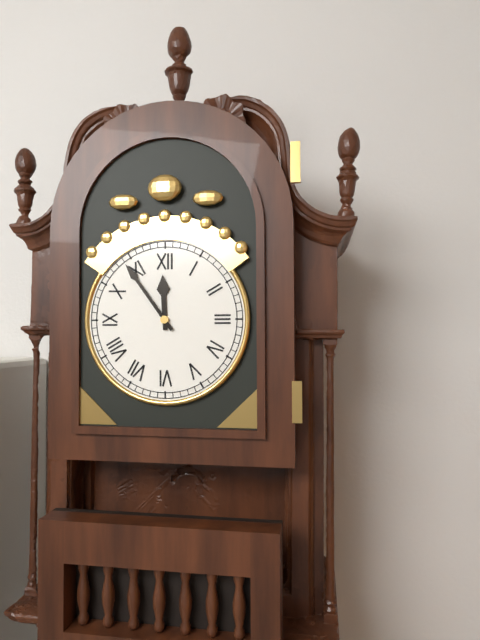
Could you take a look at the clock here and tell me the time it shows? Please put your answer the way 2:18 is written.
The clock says 11:54
